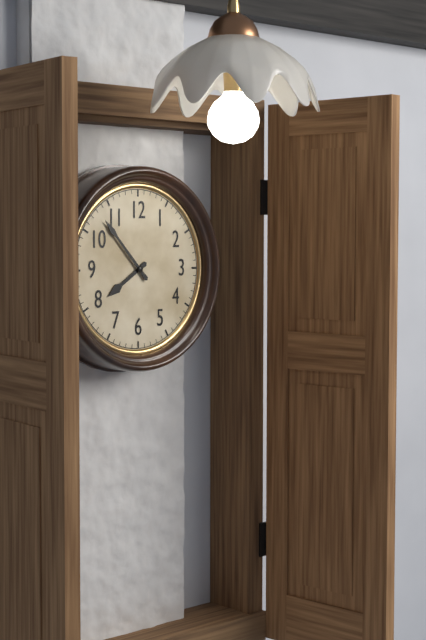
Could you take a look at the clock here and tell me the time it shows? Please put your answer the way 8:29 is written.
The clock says 7:53
